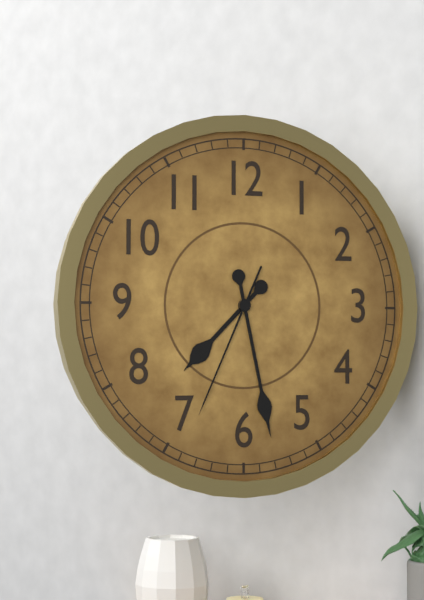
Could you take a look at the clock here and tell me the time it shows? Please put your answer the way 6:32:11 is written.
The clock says 7:28:34
